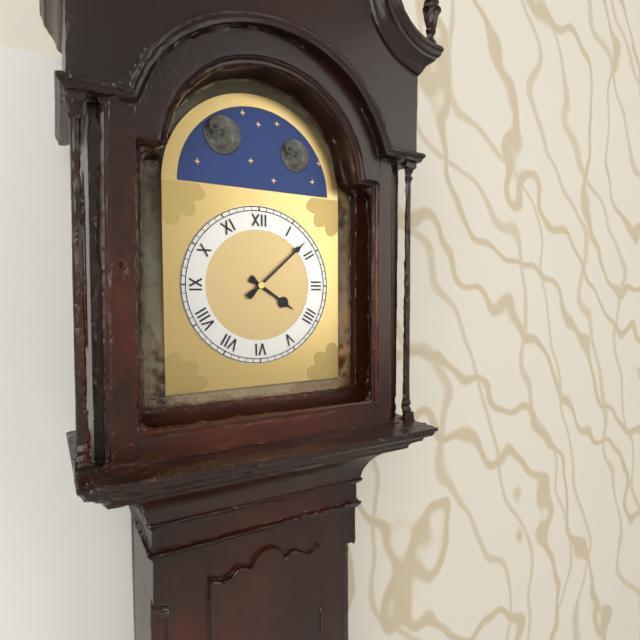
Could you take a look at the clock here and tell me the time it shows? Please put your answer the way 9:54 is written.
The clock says 4:08
